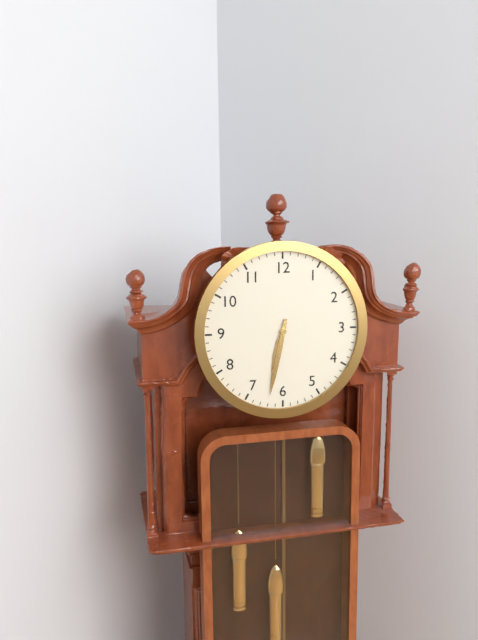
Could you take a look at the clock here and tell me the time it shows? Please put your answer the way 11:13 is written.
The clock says 6:32
